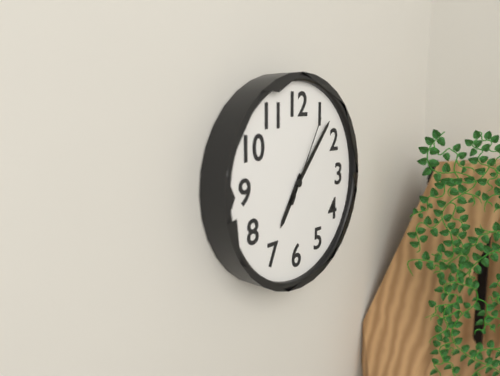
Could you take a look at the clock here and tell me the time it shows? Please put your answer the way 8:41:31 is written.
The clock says 7:07:05
